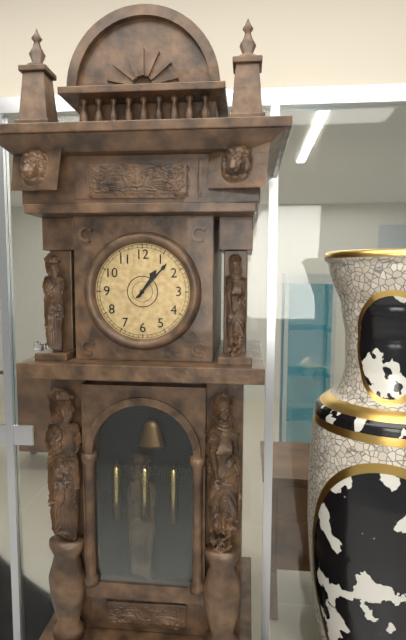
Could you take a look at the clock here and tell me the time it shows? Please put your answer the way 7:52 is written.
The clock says 1:07
